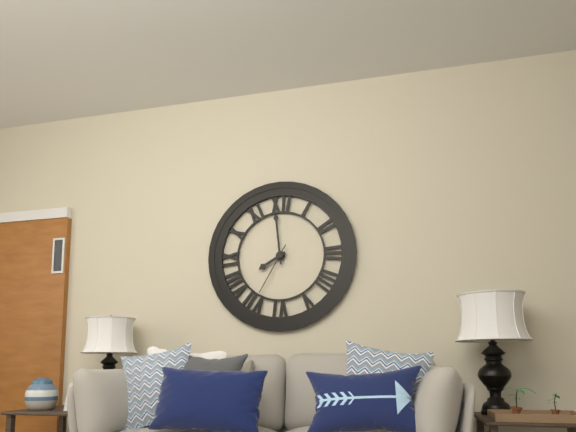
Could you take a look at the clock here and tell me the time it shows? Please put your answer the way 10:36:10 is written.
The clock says 7:59:35
